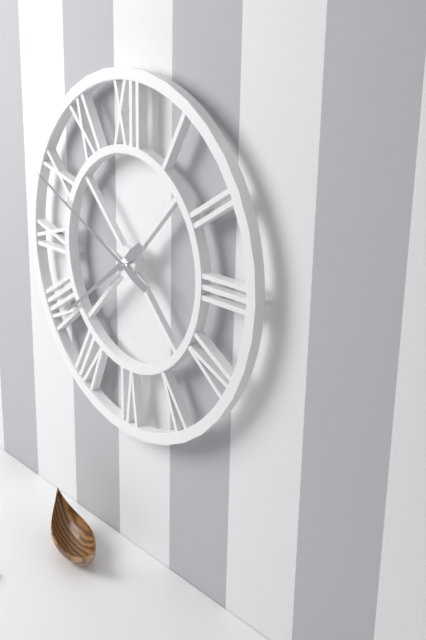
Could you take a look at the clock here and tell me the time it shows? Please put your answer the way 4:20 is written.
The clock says 7:49
